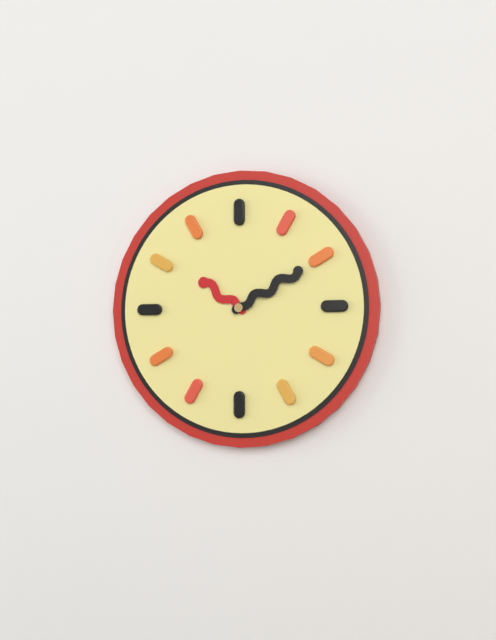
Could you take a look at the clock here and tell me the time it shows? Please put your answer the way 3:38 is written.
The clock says 10:10
